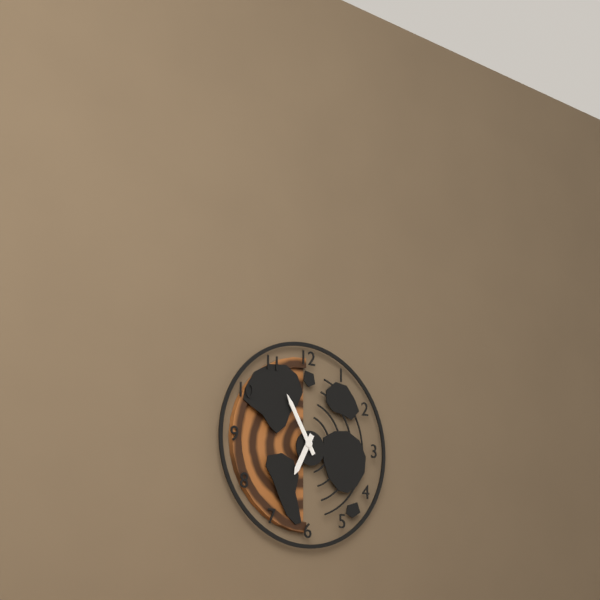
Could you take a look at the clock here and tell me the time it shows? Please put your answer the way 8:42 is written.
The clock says 6:55
